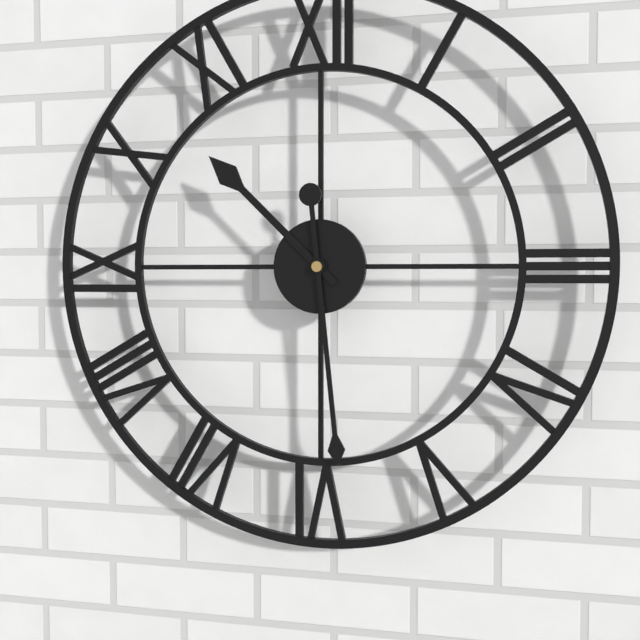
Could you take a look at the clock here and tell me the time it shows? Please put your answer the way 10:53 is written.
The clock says 10:29
